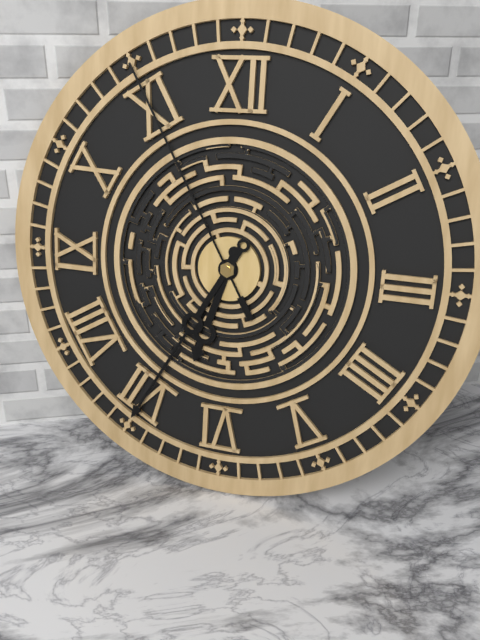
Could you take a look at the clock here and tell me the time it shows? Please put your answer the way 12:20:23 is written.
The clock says 6:35:55
